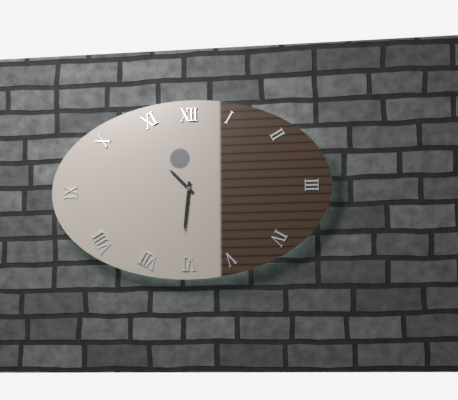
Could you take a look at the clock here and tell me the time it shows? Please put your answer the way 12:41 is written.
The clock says 10:31
